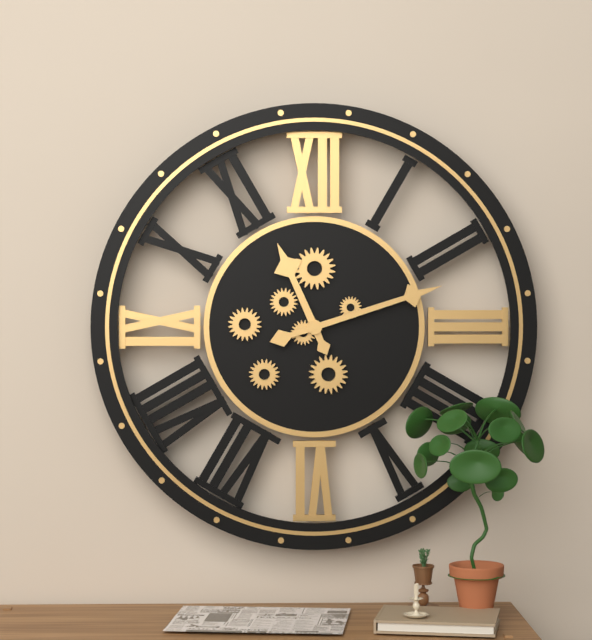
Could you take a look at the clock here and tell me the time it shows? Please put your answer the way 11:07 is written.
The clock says 11:12
